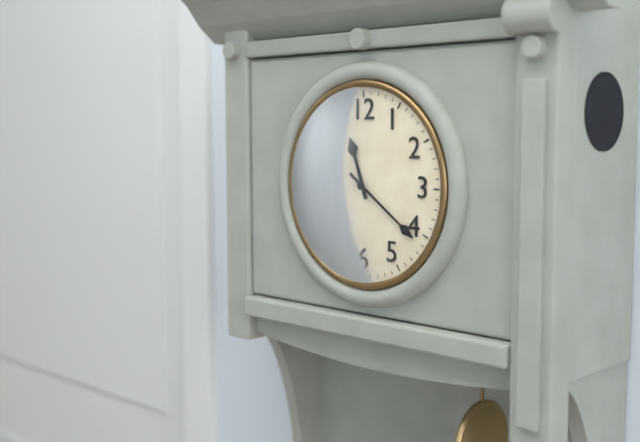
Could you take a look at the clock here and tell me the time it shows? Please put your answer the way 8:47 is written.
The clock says 11:21
